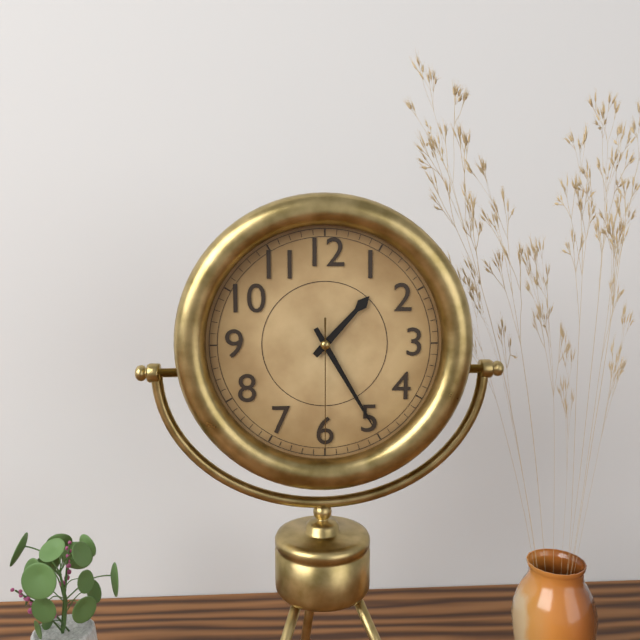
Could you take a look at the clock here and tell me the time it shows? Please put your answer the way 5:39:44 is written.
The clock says 1:25:30
